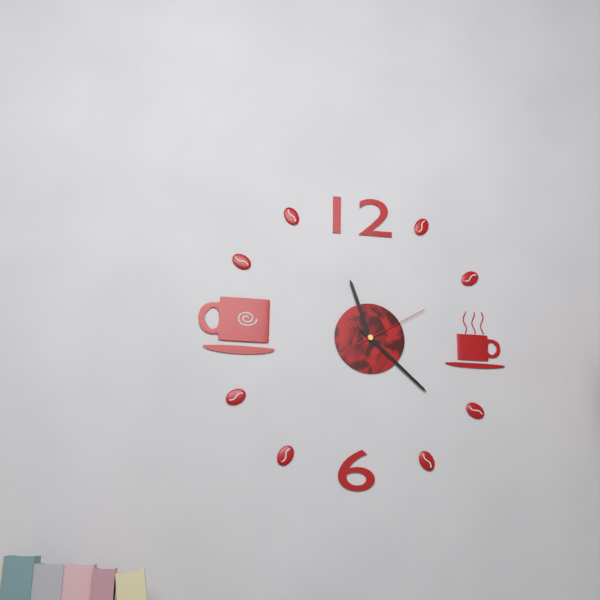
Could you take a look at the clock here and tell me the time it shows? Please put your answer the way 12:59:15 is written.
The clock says 11:22:10
